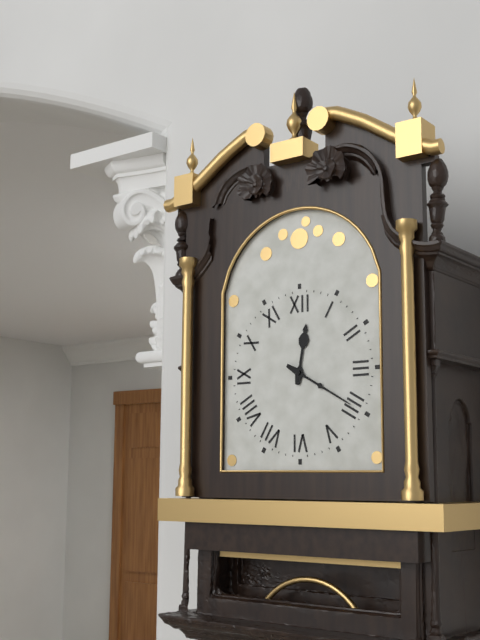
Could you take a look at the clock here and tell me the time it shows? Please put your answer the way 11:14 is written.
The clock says 12:20
